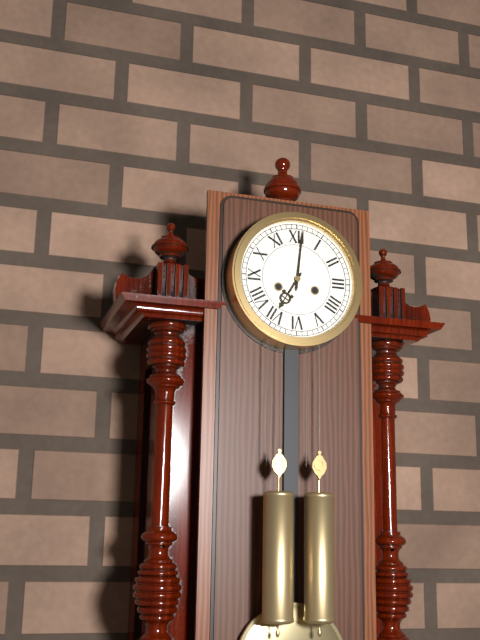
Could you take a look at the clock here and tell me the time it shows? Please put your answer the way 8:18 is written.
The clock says 7:01
